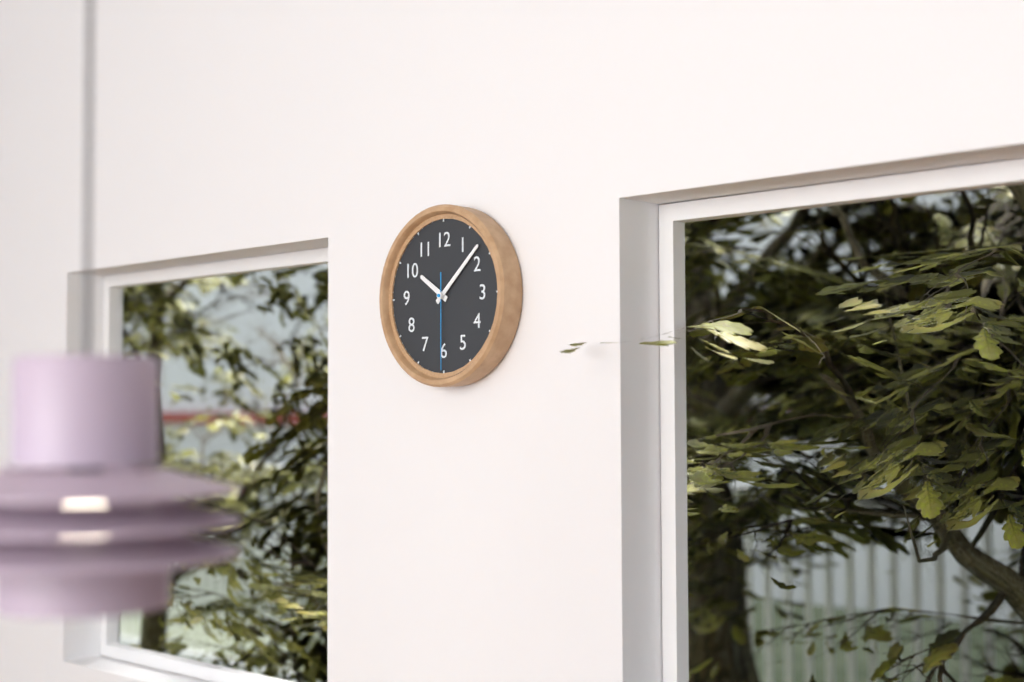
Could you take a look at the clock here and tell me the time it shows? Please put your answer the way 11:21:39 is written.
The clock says 10:08:30
